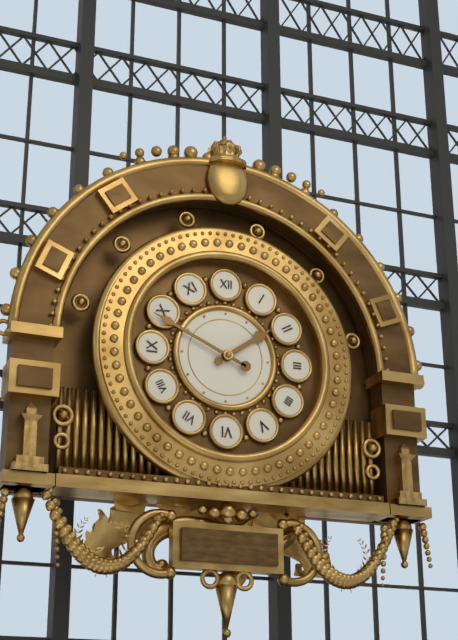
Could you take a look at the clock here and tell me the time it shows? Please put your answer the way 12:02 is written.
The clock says 1:49
